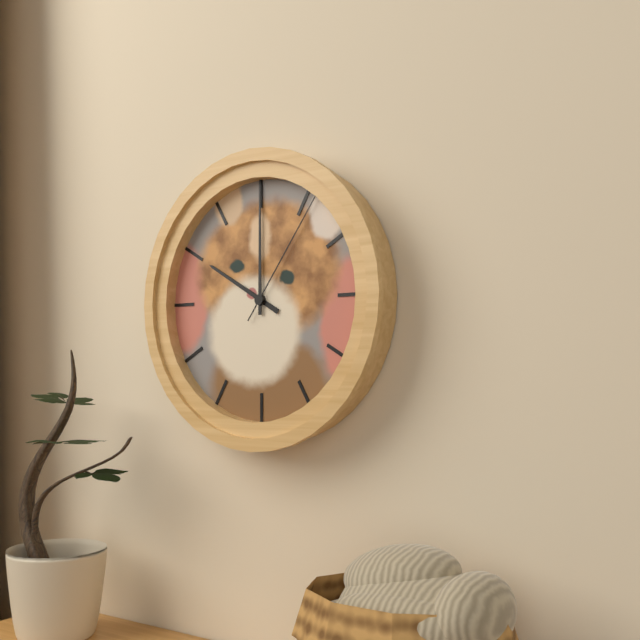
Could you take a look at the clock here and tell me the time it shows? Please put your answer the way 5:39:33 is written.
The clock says 10:00:06
